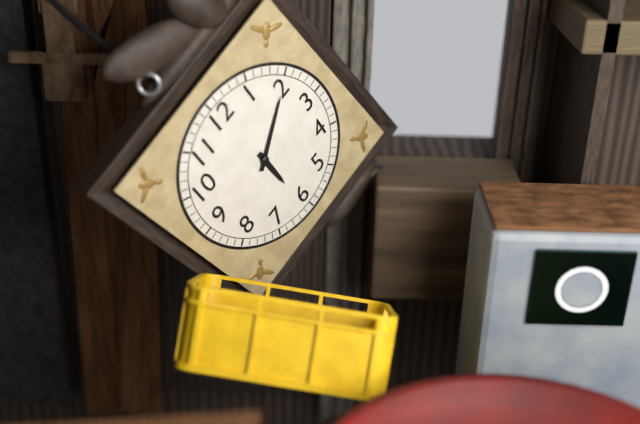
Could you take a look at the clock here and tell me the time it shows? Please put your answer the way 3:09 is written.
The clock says 6:10
